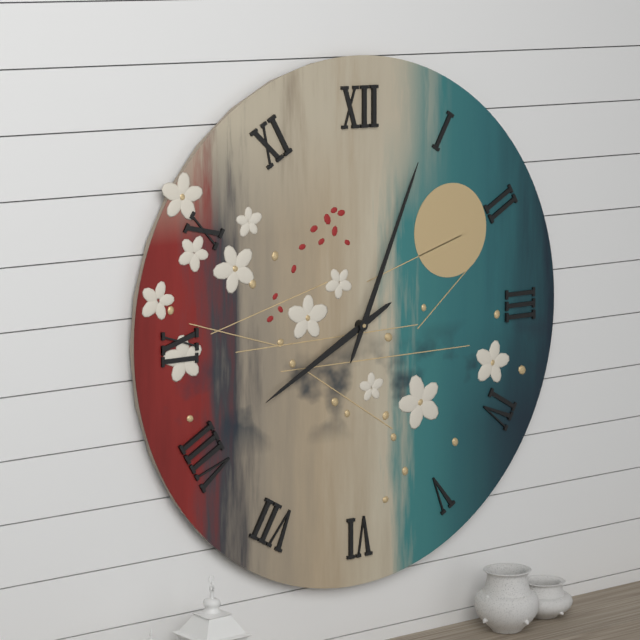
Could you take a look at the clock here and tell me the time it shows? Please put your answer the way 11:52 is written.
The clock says 8:04
